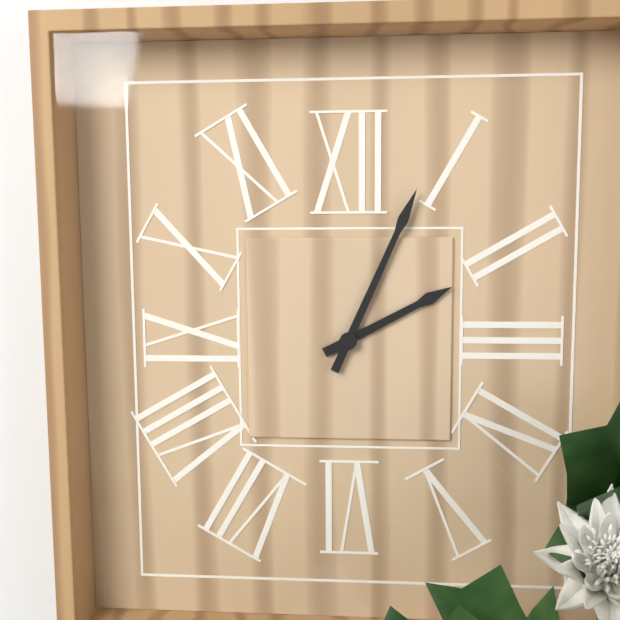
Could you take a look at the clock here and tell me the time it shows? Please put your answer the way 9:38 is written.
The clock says 2:04
